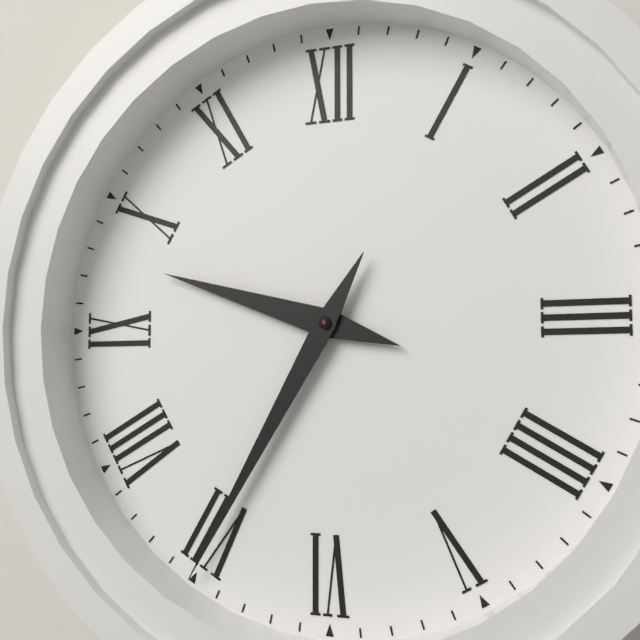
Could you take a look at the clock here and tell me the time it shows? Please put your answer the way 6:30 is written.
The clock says 9:35
